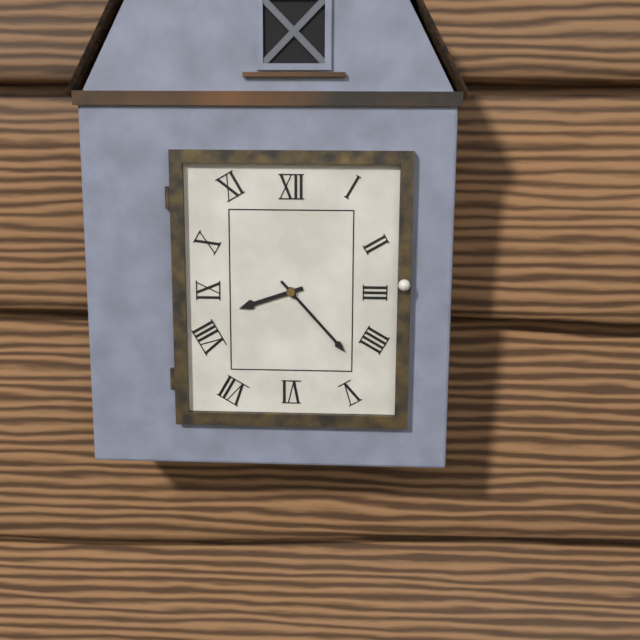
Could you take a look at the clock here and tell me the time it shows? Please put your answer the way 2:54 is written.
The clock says 8:23
